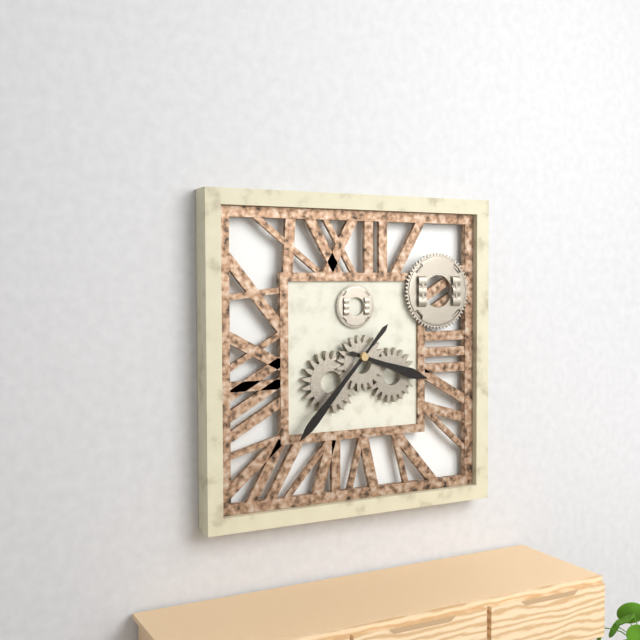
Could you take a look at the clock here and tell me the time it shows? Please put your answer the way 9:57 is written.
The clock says 3:37
